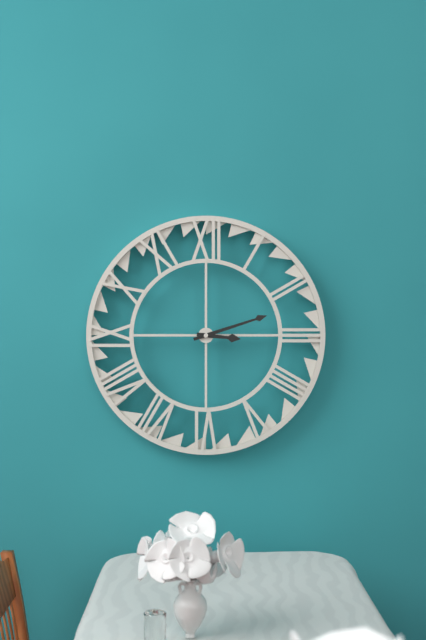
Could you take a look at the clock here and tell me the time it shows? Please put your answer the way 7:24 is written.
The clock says 3:12
